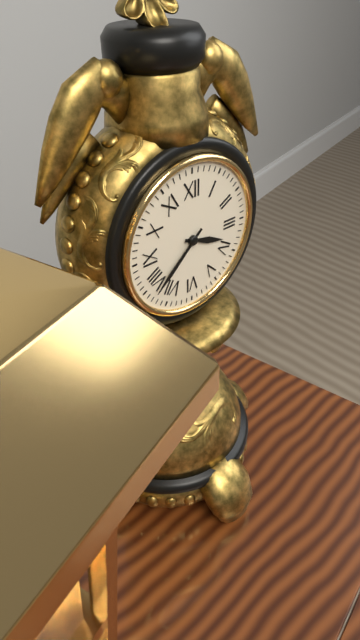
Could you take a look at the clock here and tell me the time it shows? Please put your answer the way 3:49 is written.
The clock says 3:38
